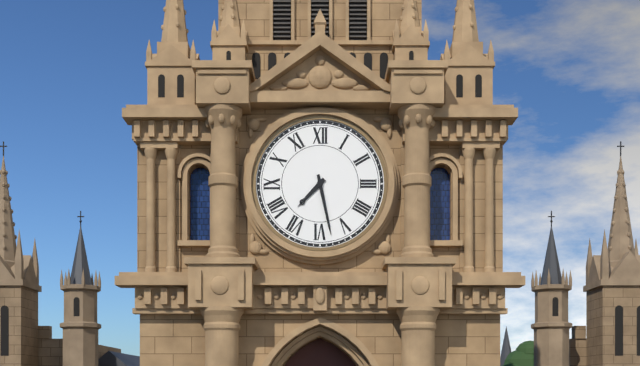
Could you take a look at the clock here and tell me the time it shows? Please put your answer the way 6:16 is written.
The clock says 7:28
